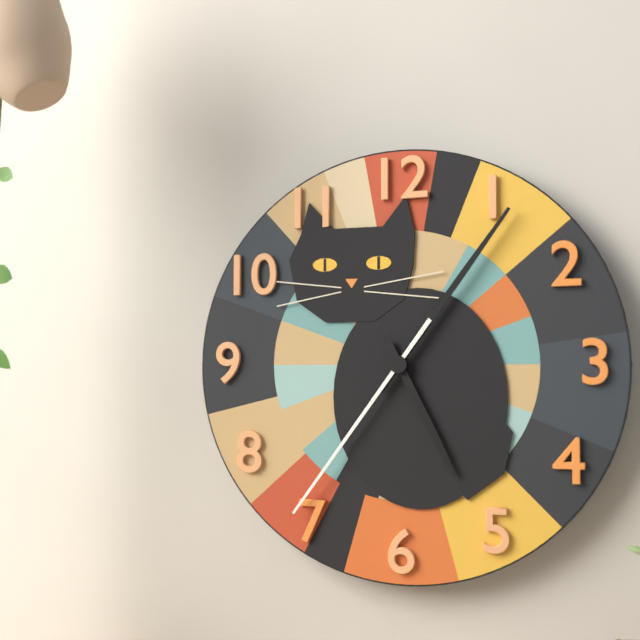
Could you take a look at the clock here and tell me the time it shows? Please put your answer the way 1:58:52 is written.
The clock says 5:06:36
